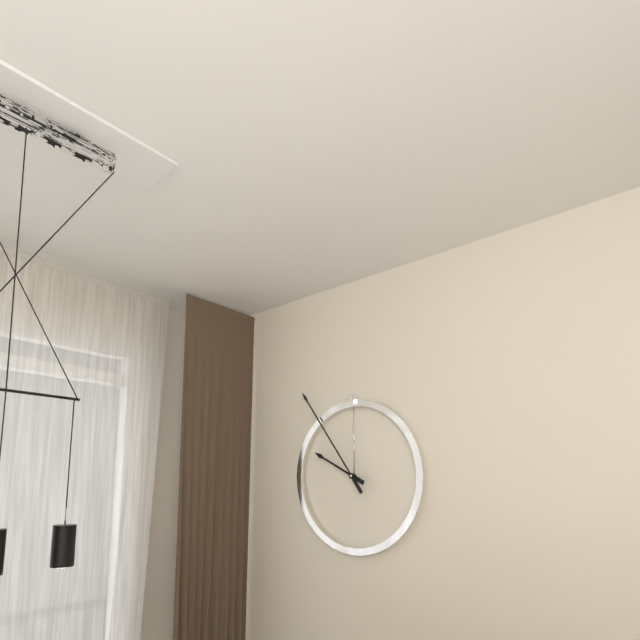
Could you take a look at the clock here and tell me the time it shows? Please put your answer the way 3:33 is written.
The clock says 9:54
